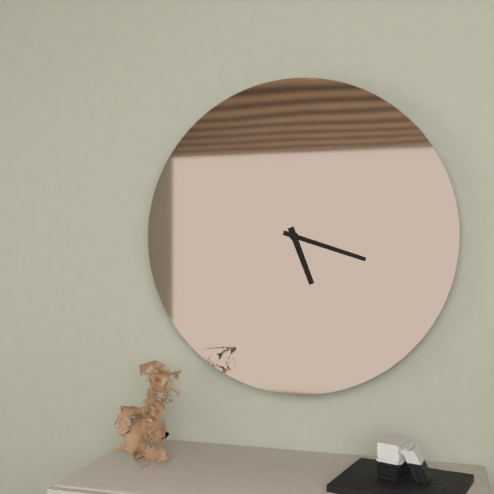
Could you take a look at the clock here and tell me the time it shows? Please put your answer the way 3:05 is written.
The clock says 5:18
